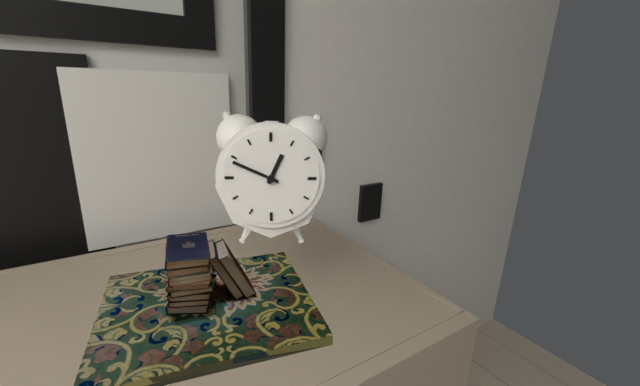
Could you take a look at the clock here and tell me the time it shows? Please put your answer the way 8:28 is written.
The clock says 12:49
